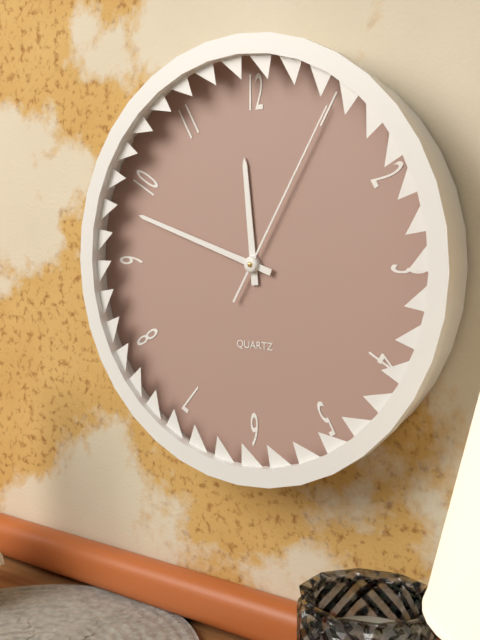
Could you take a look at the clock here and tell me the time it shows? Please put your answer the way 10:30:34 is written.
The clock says 11:48:05
